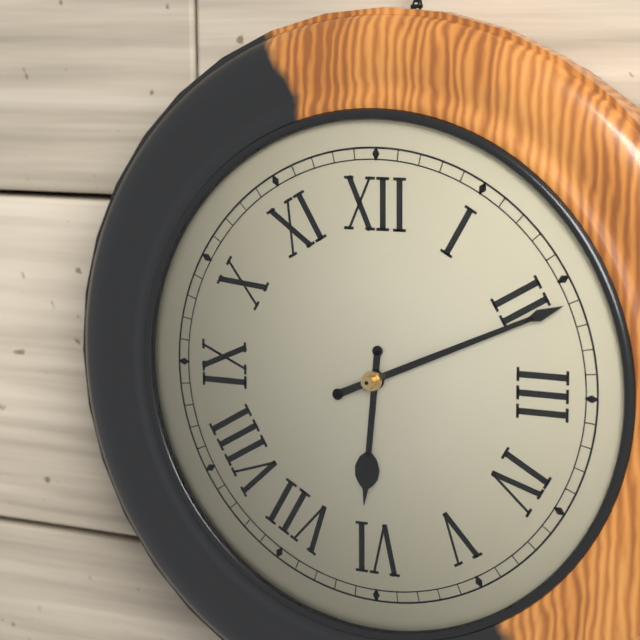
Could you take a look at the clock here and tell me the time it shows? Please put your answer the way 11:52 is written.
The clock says 6:11
